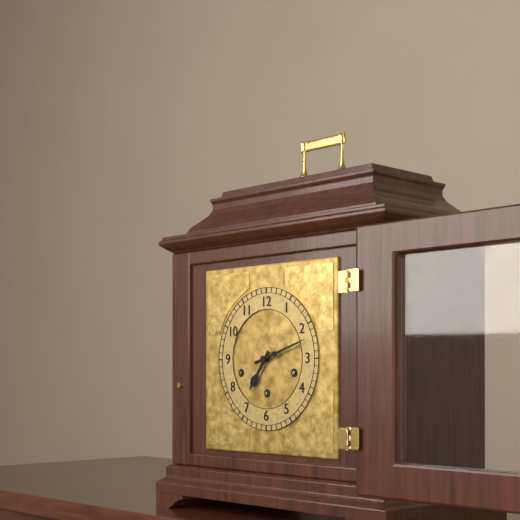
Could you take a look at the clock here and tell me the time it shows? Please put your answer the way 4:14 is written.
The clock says 7:12
